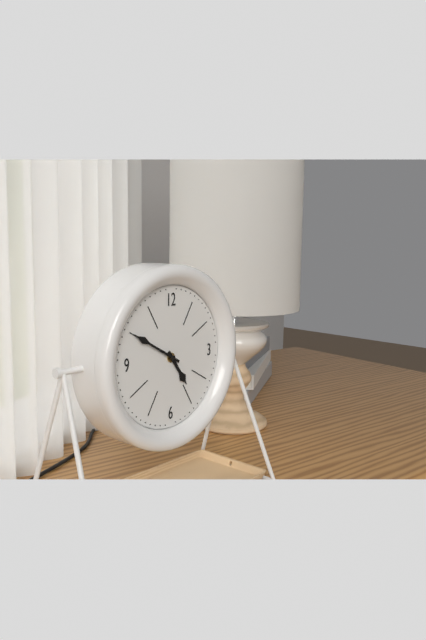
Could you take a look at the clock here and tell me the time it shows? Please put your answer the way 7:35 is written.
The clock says 4:50
